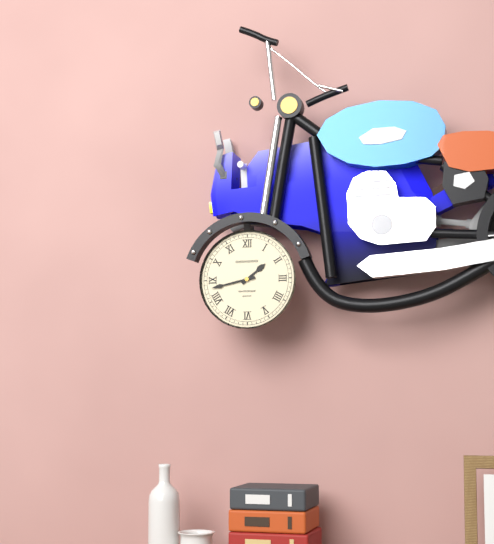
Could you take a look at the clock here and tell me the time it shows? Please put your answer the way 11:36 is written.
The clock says 1:43
